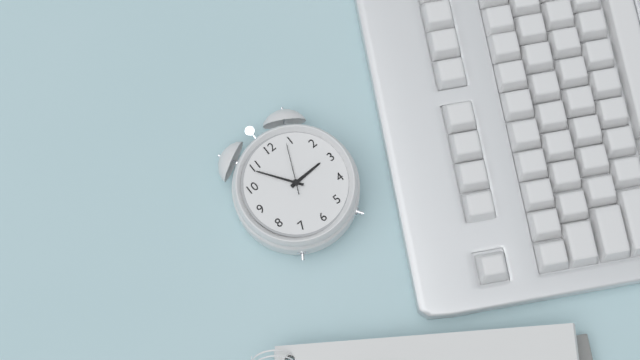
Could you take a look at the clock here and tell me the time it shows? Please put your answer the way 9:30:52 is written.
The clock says 2:54:04
